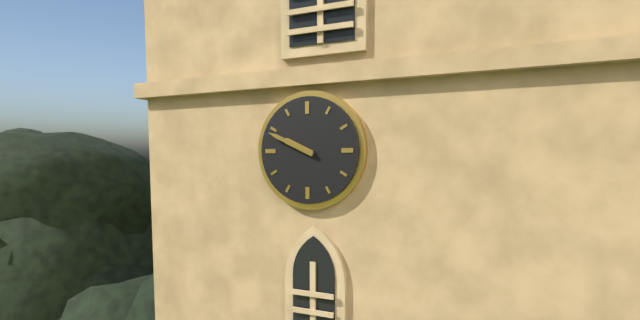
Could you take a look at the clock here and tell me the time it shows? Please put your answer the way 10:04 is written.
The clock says 9:49
